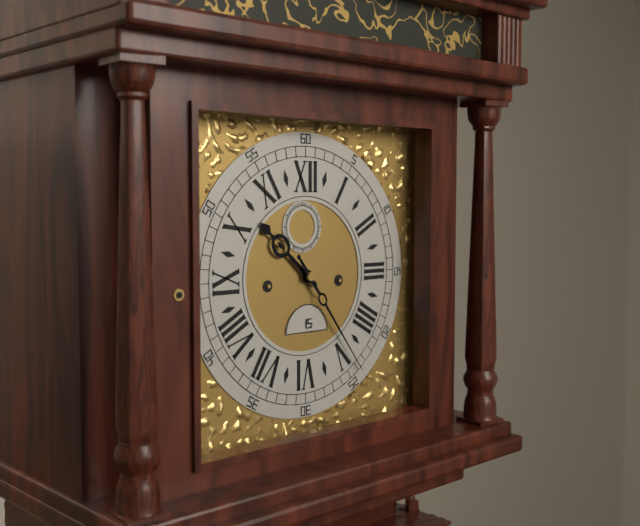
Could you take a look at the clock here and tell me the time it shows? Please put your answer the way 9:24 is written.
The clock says 10:24
